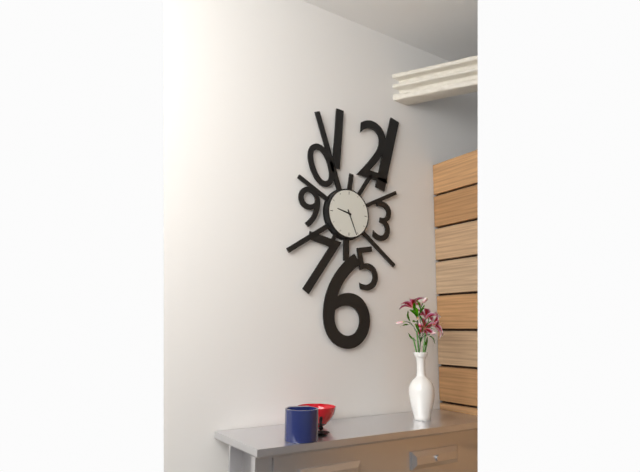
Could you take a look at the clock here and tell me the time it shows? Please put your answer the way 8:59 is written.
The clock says 9:26
